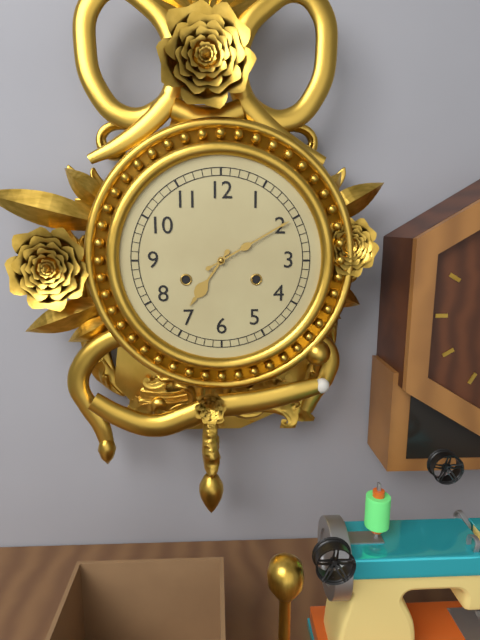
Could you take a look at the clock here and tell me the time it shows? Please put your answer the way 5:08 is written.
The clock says 7:10
